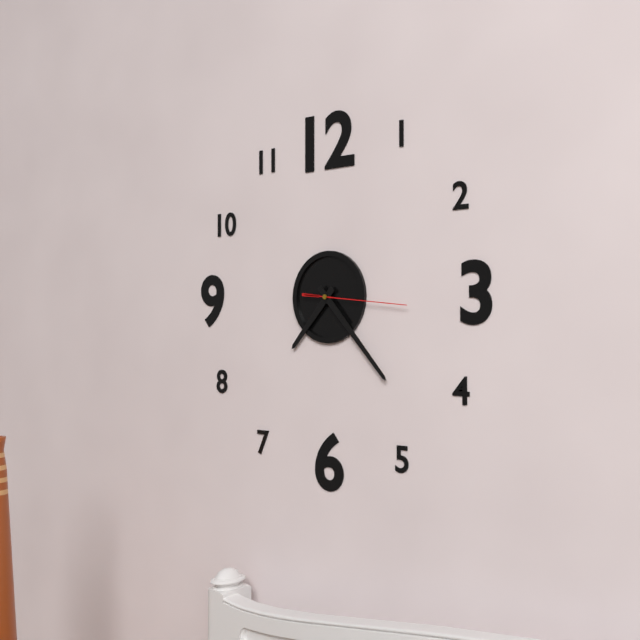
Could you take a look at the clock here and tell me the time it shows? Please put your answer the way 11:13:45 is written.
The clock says 7:23:16
